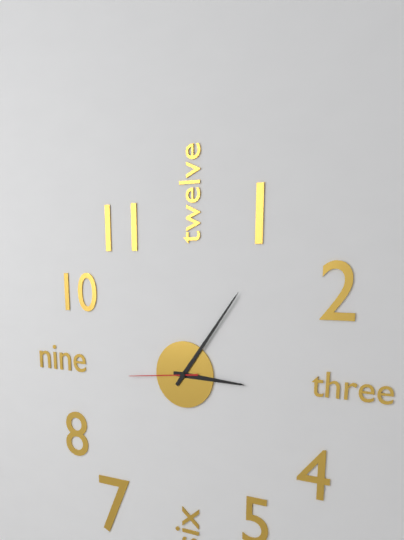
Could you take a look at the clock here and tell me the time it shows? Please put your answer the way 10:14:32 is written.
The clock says 3:06:44
